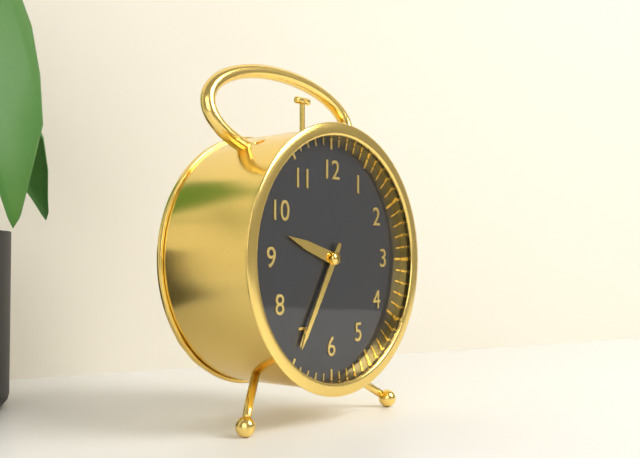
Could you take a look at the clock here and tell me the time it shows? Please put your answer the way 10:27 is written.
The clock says 9:35
